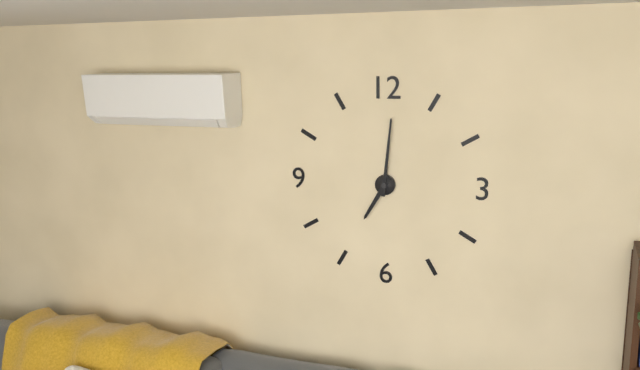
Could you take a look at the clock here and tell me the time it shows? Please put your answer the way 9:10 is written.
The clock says 7:01
